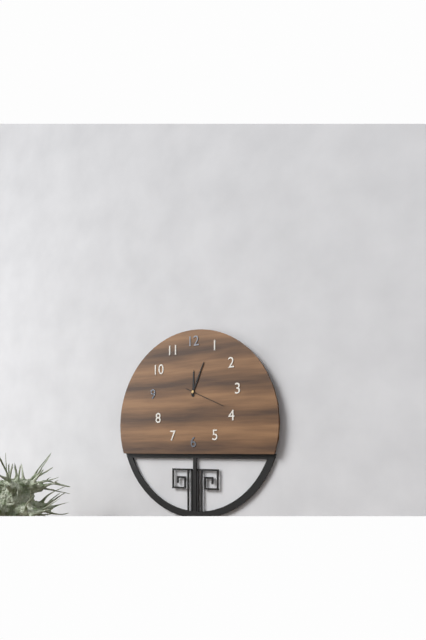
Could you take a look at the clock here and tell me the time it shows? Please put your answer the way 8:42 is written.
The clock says 12:04
